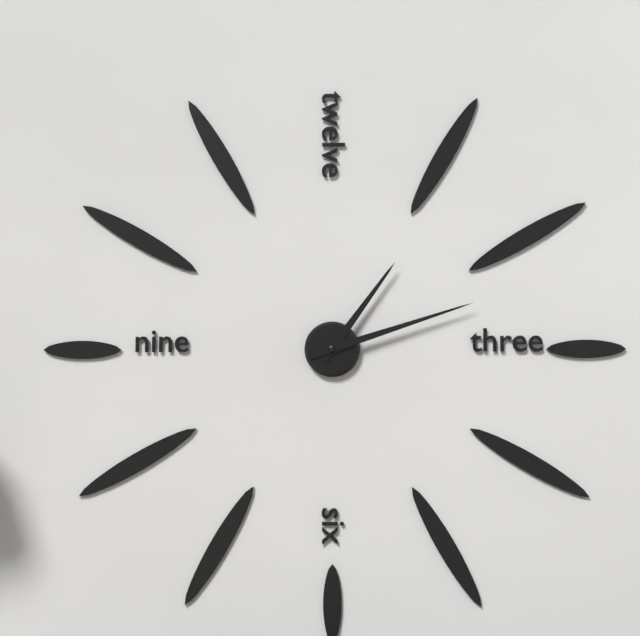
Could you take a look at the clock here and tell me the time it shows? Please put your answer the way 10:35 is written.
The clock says 1:12
